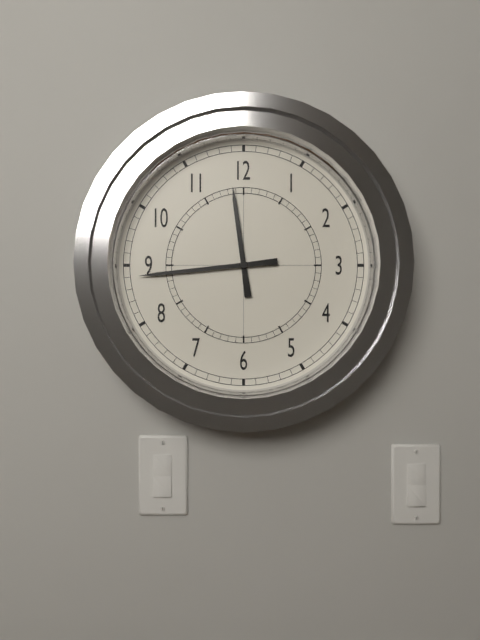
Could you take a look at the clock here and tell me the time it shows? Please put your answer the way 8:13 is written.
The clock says 11:44
